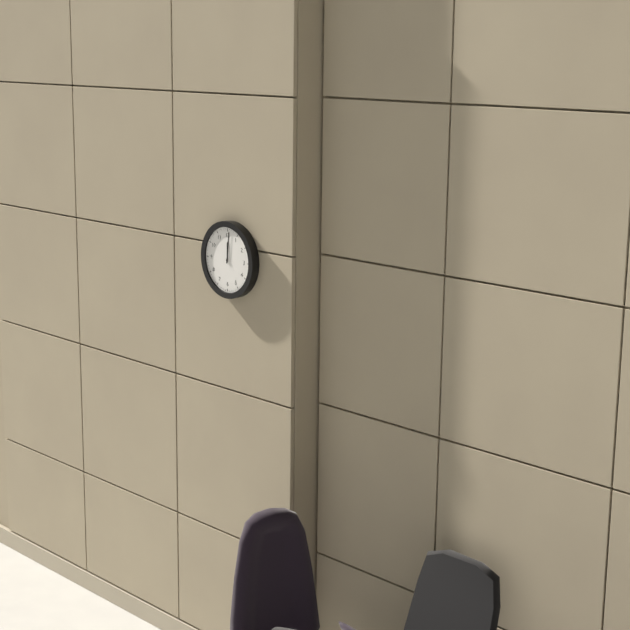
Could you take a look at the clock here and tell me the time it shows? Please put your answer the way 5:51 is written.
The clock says 12:01
